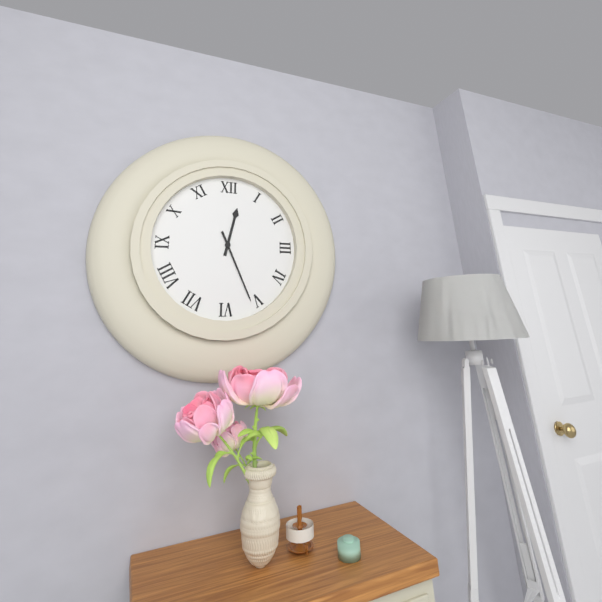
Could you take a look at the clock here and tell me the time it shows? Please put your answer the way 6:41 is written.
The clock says 12:26
